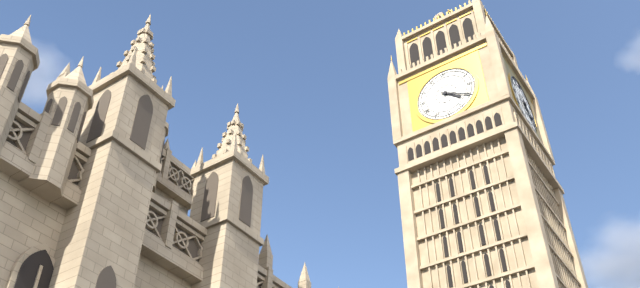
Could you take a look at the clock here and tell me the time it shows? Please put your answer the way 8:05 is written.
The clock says 4:20
